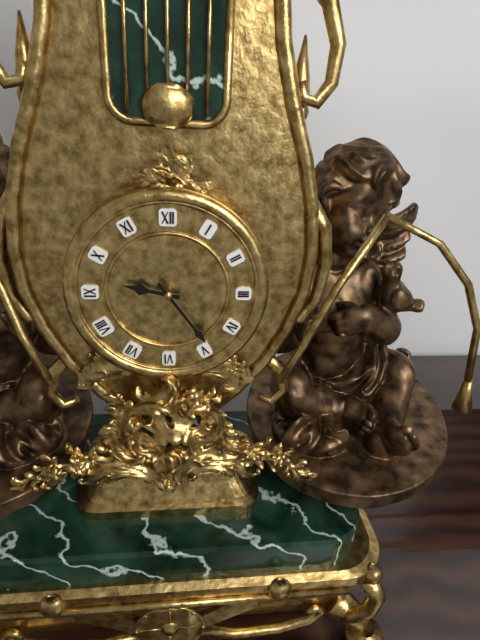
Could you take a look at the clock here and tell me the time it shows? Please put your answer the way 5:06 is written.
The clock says 9:24
